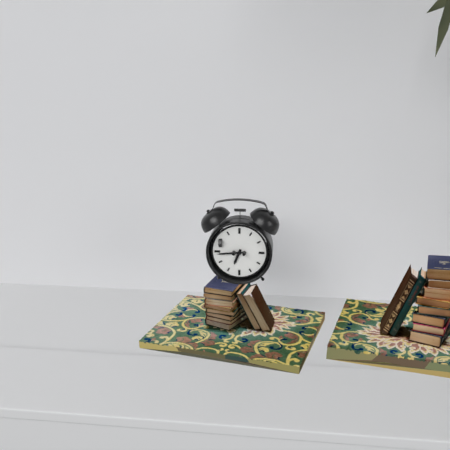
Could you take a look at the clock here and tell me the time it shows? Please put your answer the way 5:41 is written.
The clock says 6:44
